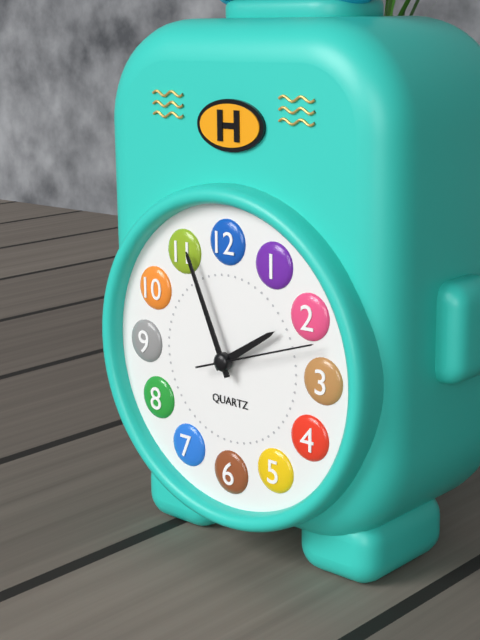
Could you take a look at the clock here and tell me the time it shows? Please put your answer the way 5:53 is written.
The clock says 1:56
